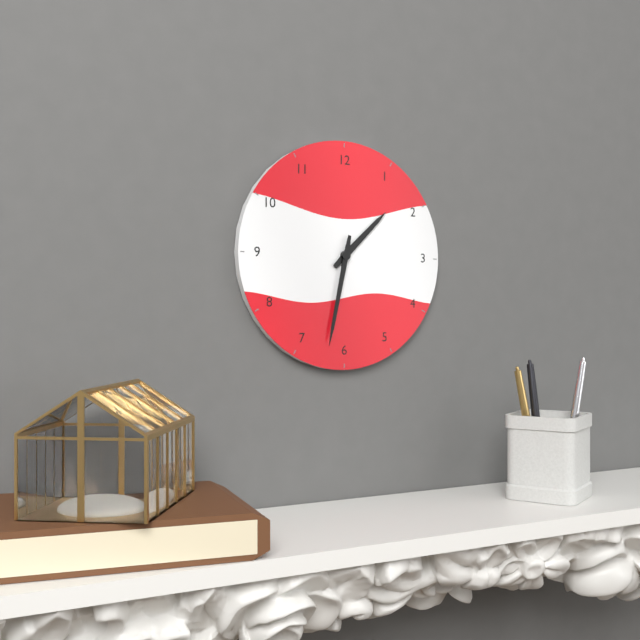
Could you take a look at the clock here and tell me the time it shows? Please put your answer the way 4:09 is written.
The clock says 1:32
